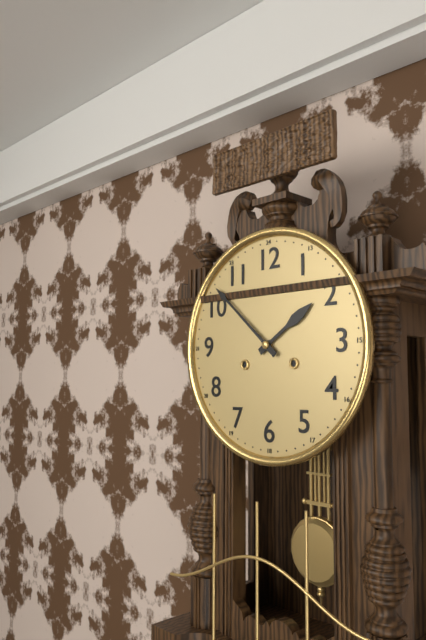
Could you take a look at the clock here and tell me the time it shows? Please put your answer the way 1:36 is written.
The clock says 1:52
